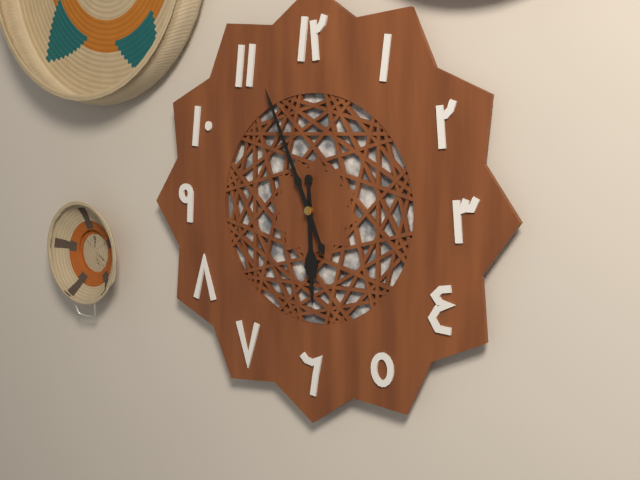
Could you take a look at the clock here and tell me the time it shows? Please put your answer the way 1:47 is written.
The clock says 5:56
